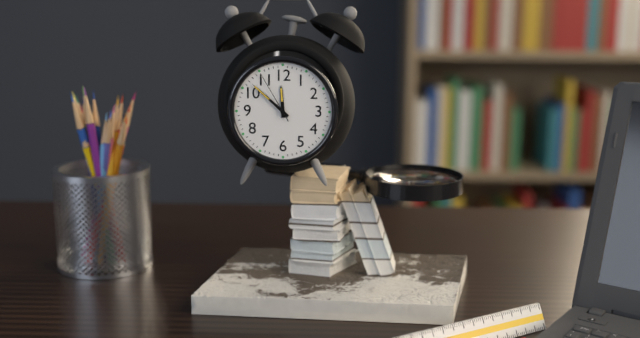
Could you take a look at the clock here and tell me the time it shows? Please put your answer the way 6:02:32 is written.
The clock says 11:52:55
